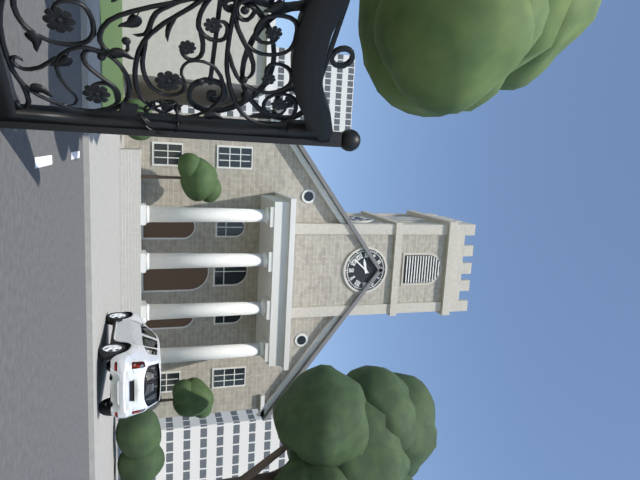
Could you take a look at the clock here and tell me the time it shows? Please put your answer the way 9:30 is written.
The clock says 8:37
